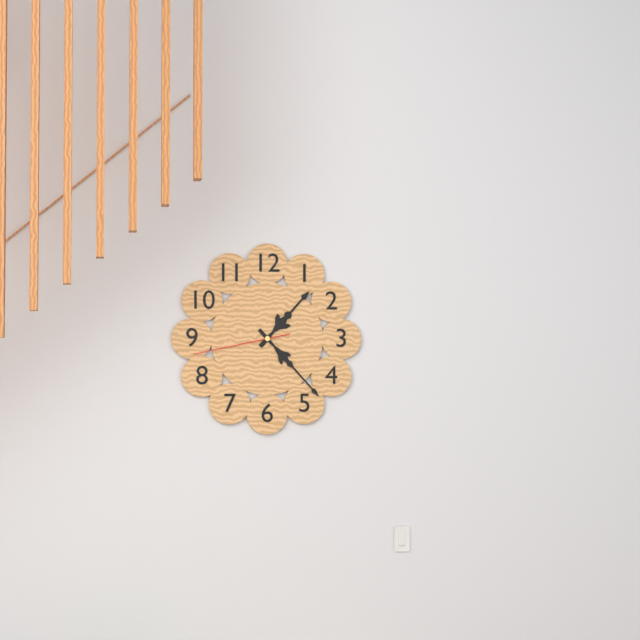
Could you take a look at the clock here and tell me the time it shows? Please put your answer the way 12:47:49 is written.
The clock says 1:23:43
